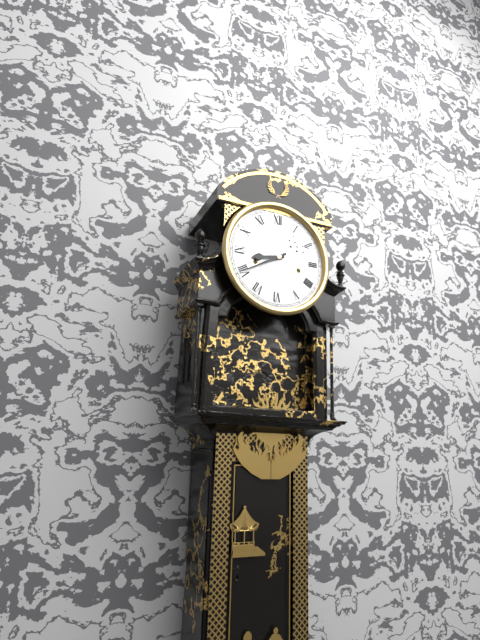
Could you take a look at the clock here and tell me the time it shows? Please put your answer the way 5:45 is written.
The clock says 8:40
